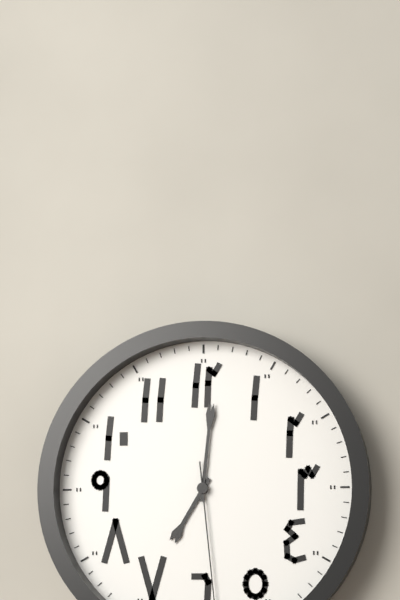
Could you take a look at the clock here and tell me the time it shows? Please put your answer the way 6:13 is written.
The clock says 7:01
